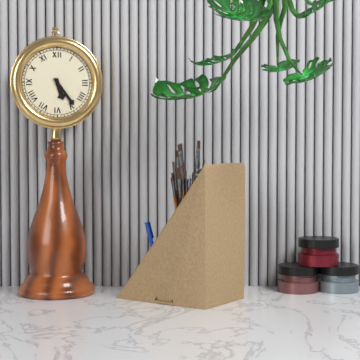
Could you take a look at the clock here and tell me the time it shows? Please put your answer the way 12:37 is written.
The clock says 5:24
